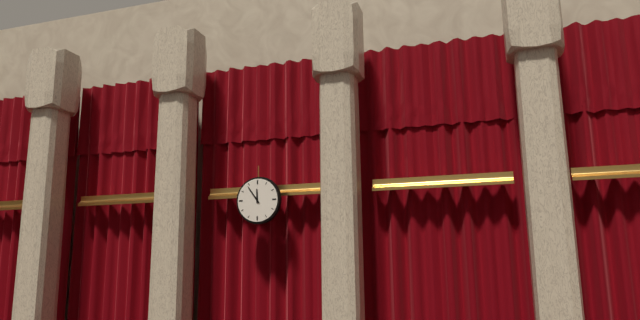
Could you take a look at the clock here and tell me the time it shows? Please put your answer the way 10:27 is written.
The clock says 11:54
